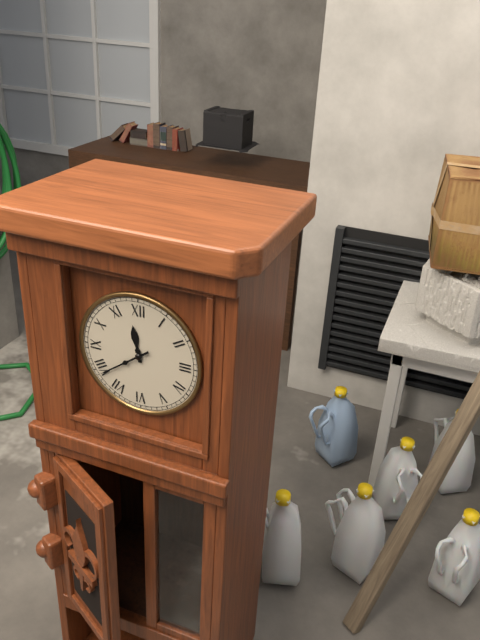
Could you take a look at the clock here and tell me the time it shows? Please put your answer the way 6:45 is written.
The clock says 11:39
